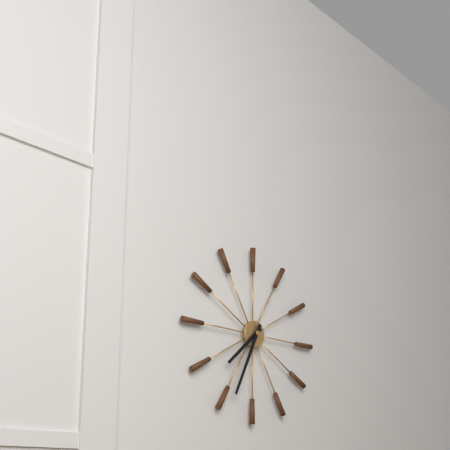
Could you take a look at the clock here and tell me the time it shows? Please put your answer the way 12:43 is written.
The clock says 7:34
